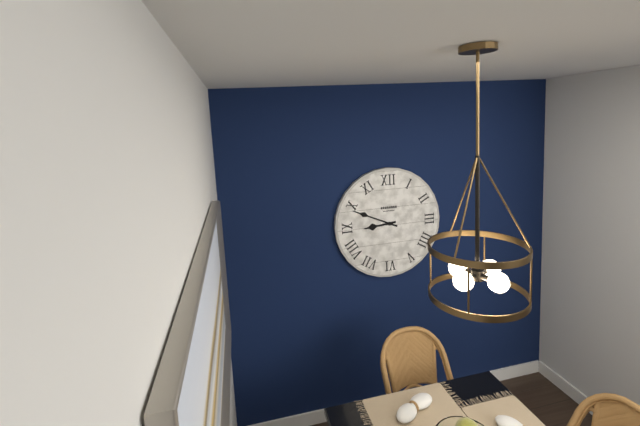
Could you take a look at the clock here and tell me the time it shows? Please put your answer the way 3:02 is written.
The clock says 8:49
